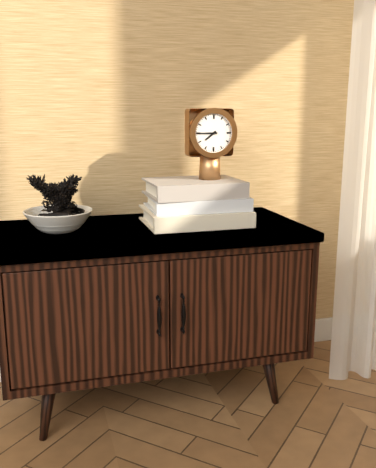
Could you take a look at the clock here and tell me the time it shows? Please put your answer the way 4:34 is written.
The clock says 7:45
